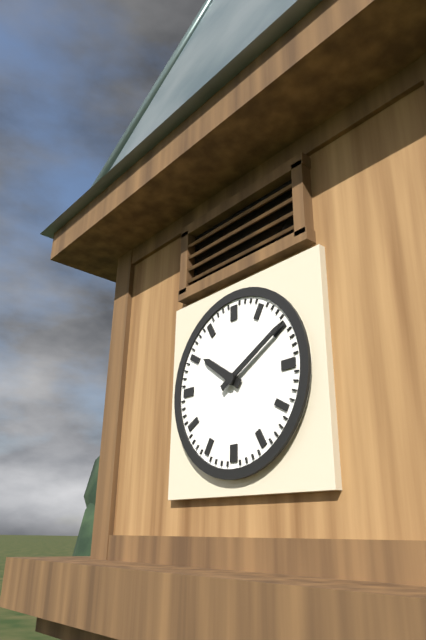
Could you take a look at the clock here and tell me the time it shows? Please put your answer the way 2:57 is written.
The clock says 10:10
